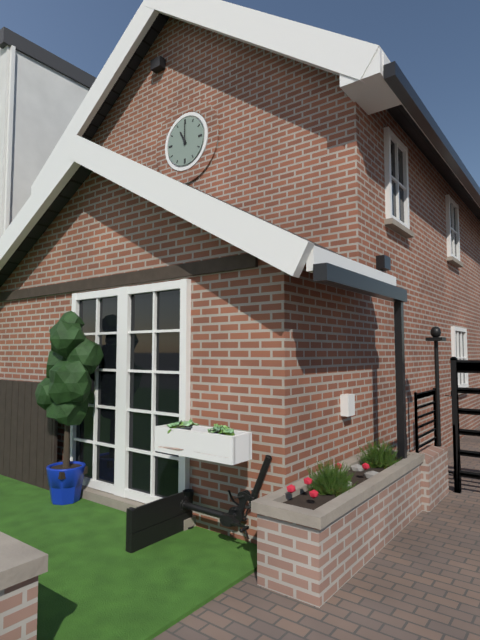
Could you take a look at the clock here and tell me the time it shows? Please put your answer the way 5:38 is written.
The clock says 11:00
